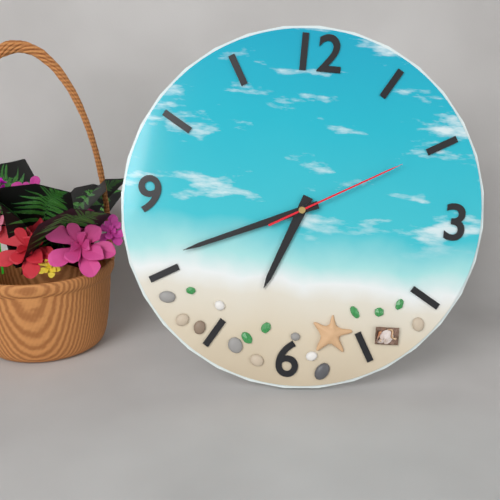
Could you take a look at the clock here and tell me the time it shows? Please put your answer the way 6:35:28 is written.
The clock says 6:41:10
